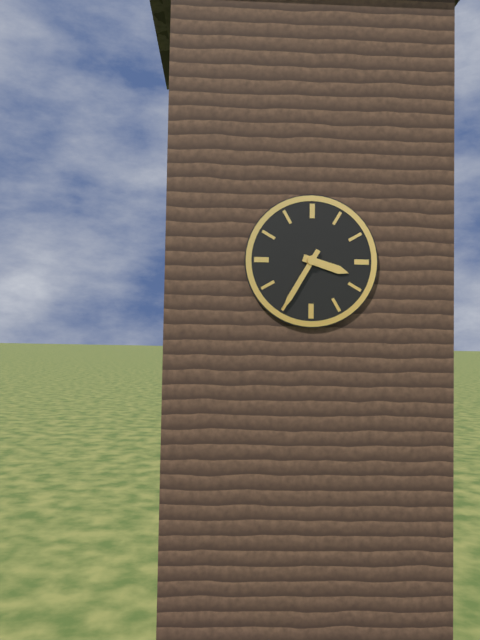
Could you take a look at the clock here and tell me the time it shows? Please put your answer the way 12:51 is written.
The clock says 3:35
